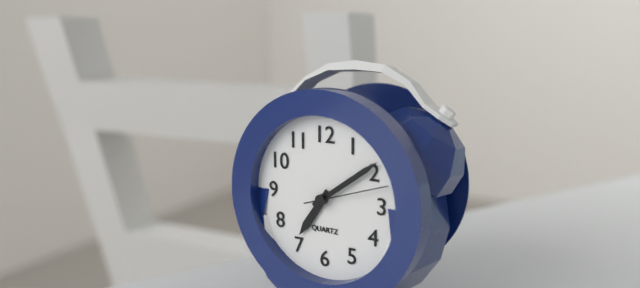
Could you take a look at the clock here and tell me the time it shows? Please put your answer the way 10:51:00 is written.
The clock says 7:09:12
